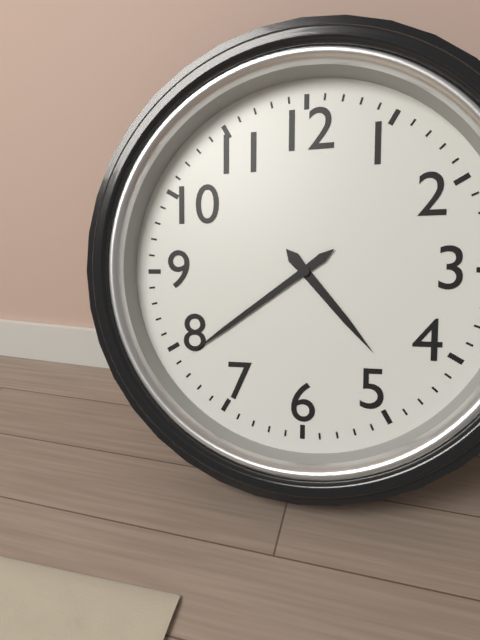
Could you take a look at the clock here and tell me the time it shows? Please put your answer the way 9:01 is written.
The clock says 4:39
